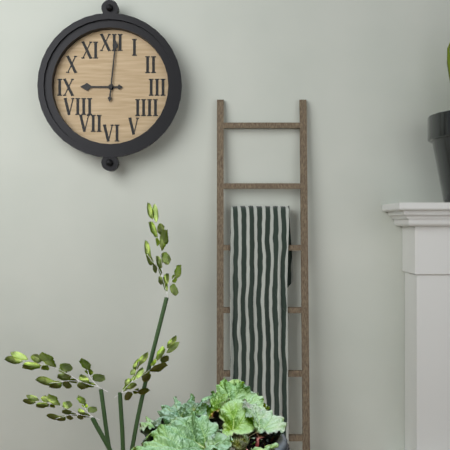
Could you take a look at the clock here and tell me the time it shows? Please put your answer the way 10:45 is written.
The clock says 9:01
